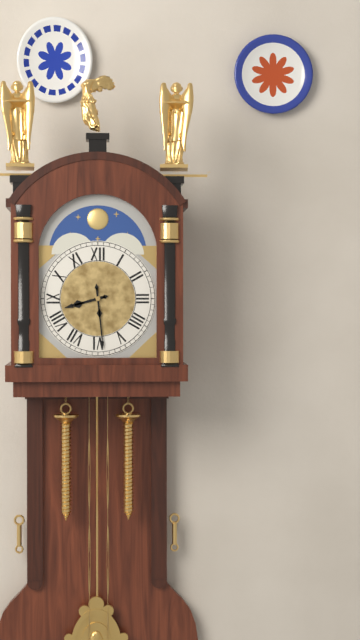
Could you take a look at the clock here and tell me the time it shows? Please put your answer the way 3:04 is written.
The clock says 8:29
